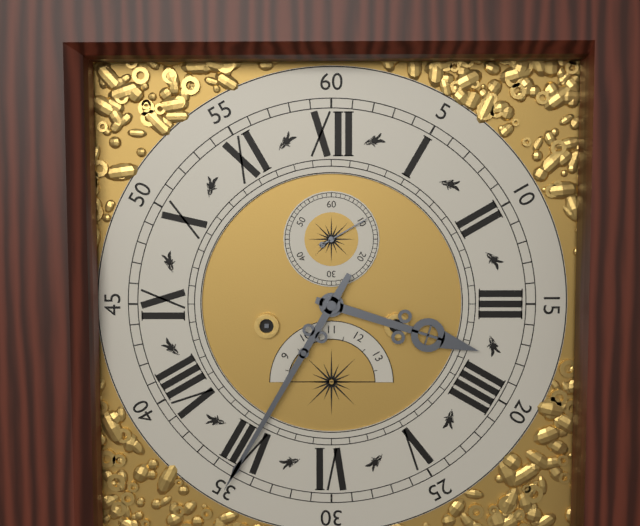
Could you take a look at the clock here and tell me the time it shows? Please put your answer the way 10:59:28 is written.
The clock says 3:35:10
